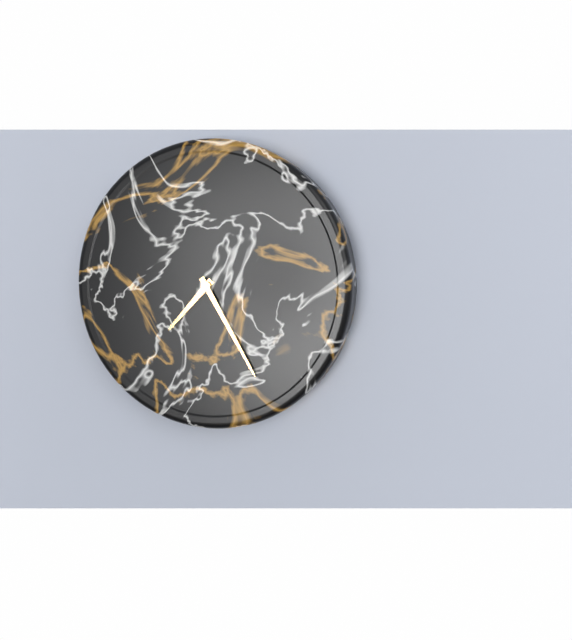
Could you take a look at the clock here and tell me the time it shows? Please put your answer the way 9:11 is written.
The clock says 7:25
